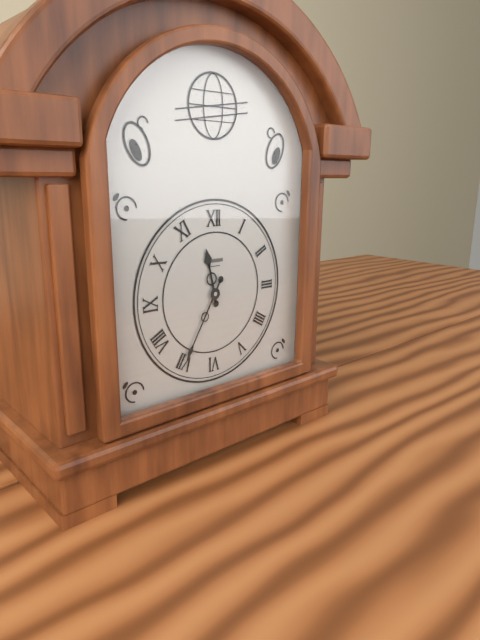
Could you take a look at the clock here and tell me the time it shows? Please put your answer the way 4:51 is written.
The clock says 11:35
